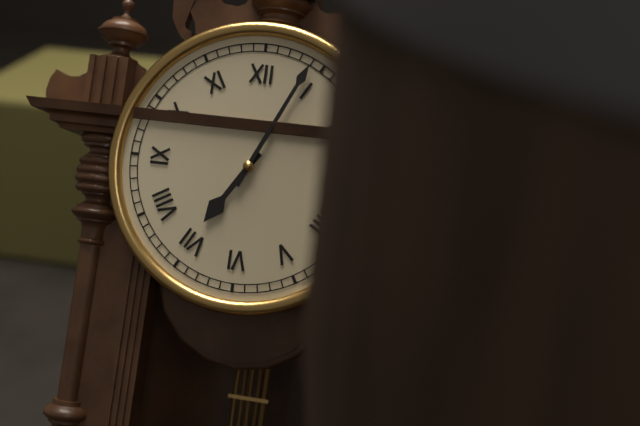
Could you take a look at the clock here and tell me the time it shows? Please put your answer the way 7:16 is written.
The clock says 7:04
